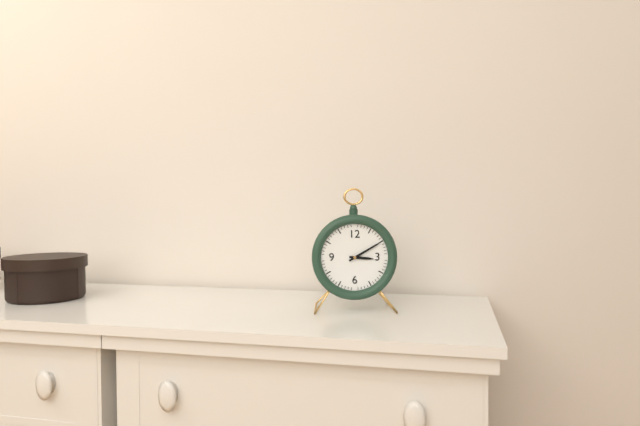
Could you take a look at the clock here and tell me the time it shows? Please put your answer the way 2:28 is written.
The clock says 3:10
